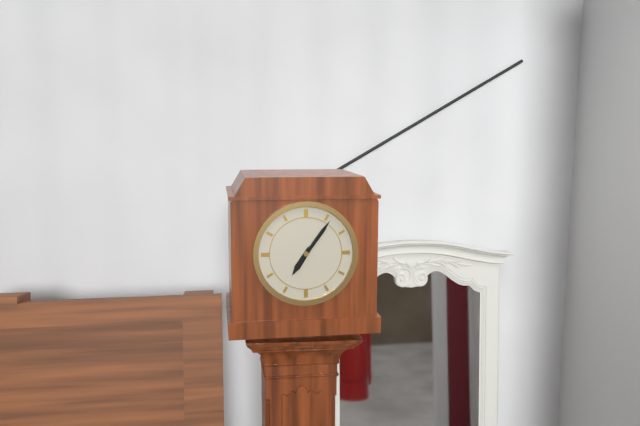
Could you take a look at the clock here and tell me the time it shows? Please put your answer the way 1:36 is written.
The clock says 7:06
